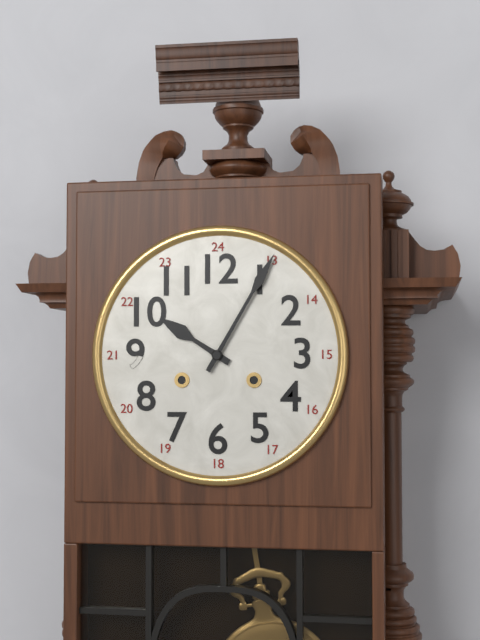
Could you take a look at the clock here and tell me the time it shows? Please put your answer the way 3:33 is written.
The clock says 10:05
